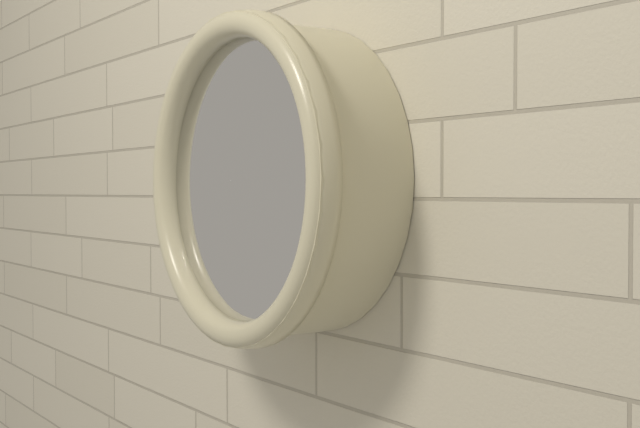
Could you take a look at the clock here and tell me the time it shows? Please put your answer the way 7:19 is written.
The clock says 5:27
